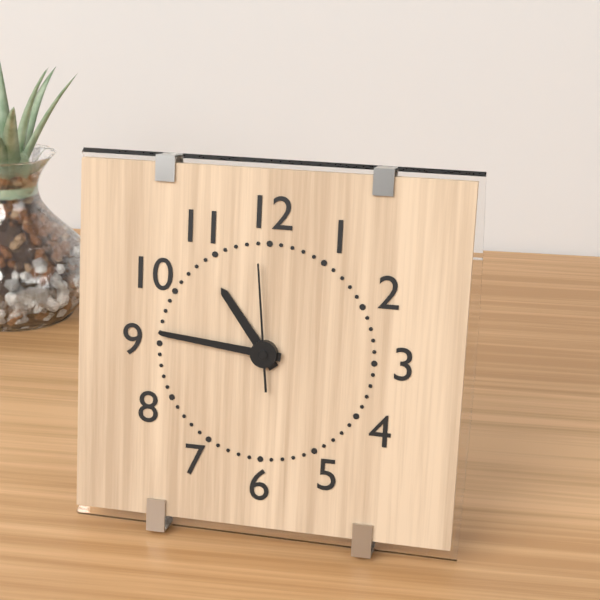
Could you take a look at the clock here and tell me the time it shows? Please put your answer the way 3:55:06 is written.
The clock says 10:46:59
